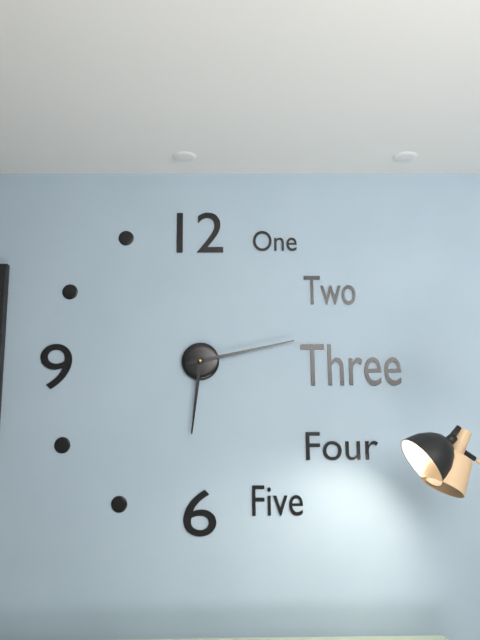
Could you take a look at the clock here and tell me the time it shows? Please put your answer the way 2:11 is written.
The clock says 6:13
